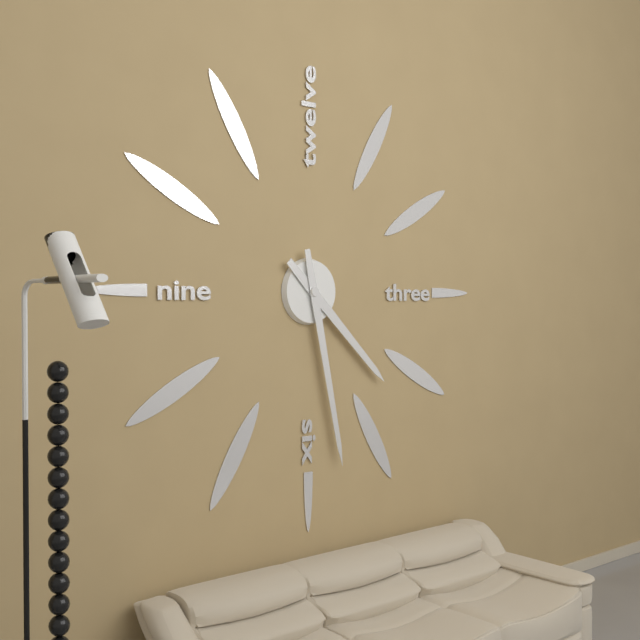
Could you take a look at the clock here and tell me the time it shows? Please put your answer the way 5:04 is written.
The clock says 4:28
